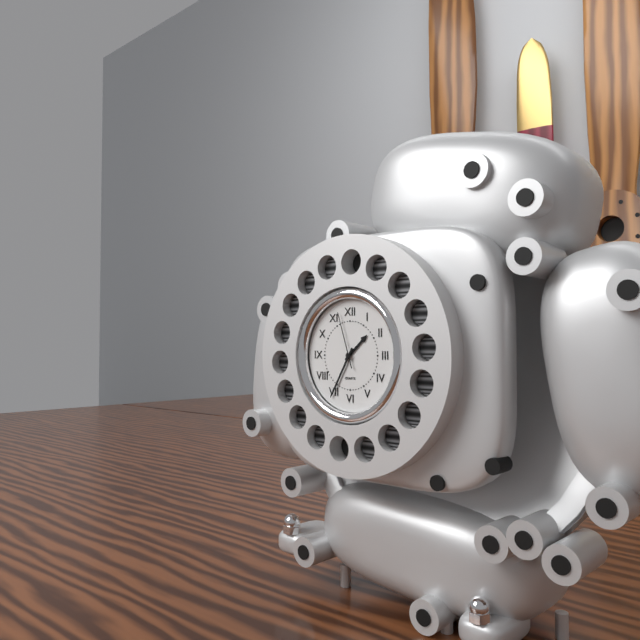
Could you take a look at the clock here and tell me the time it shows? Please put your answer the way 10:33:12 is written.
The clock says 1:35:57
